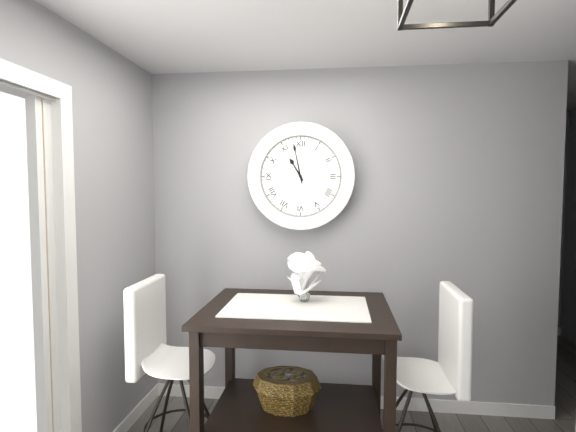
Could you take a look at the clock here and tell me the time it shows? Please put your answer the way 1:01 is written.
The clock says 10:58
